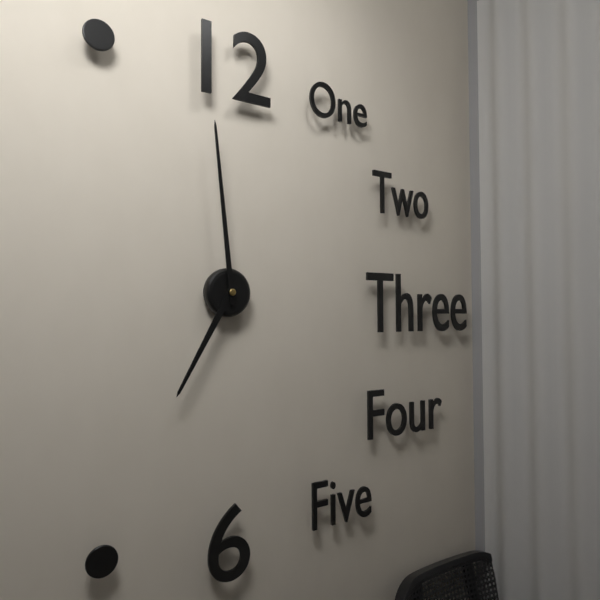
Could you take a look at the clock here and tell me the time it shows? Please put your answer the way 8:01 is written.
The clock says 6:59
